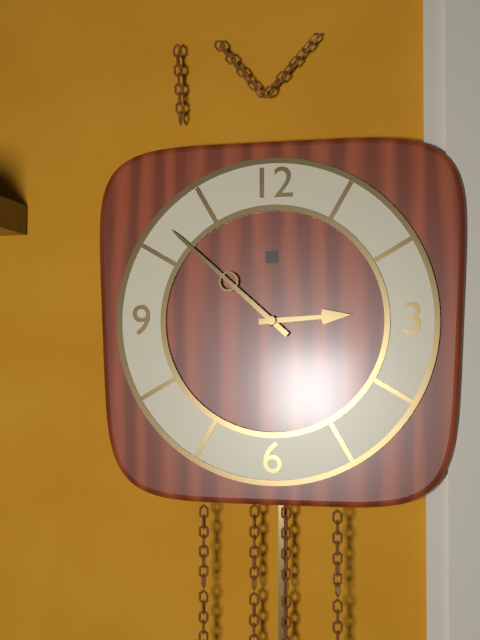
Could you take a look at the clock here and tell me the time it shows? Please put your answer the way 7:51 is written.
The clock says 2:52
